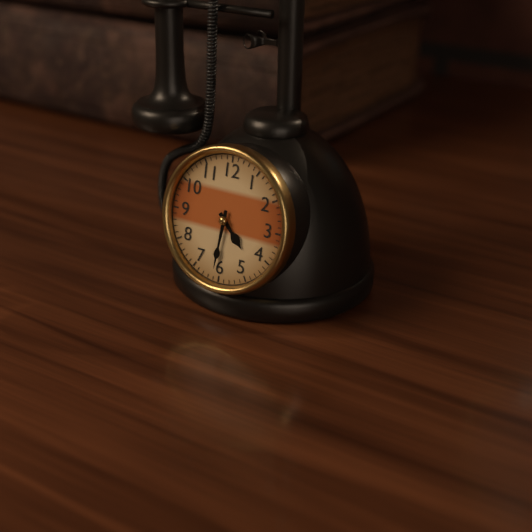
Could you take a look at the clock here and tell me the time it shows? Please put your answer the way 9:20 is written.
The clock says 4:31
